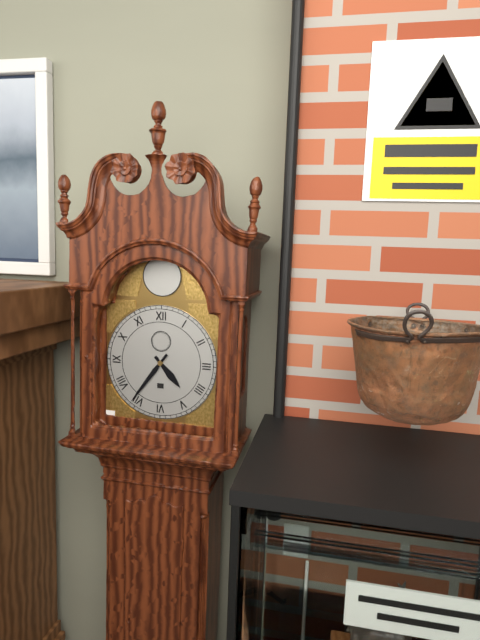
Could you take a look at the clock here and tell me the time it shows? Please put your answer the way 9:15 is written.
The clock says 4:36
